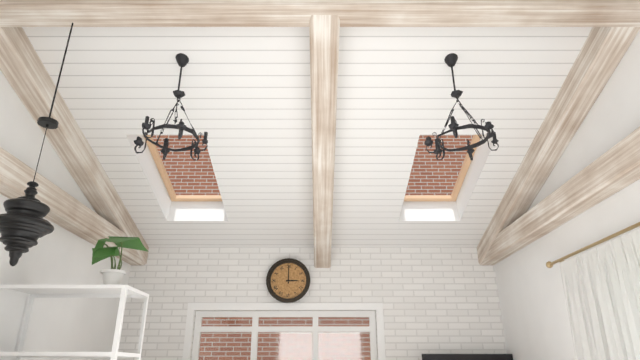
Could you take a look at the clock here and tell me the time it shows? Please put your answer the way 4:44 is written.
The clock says 3:00
